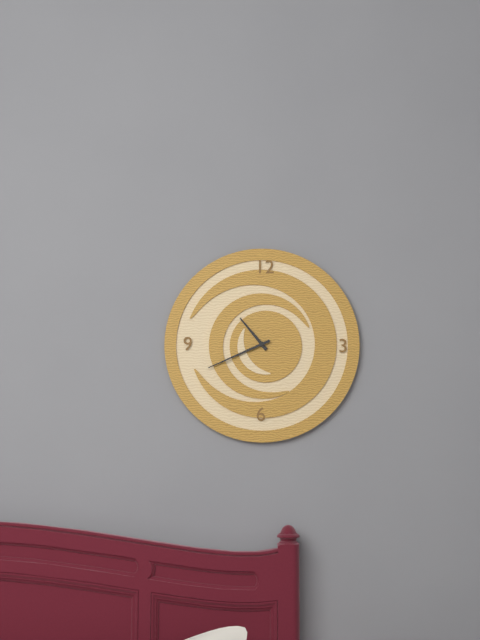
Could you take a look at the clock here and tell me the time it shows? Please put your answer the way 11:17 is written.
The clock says 10:41
